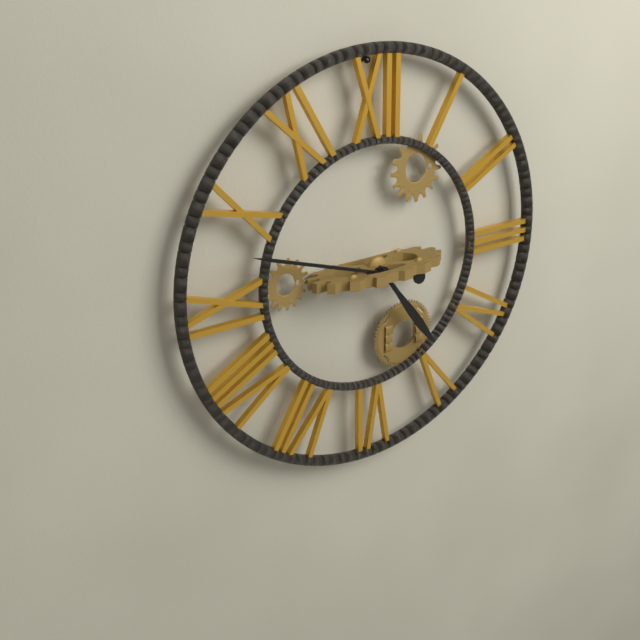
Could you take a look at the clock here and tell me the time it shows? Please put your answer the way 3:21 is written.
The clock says 4:48
